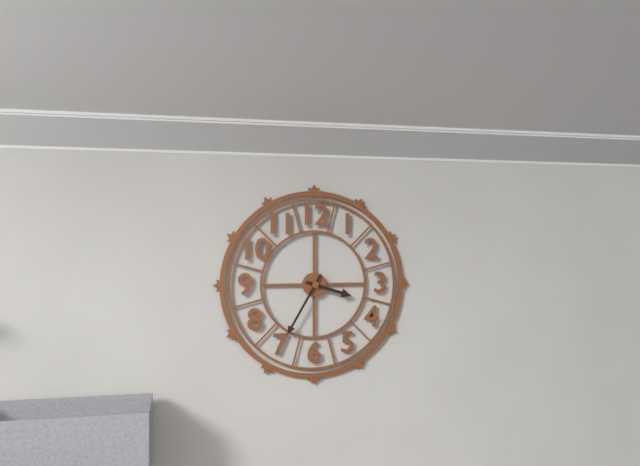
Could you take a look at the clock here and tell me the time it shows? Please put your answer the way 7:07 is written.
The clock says 3:35
